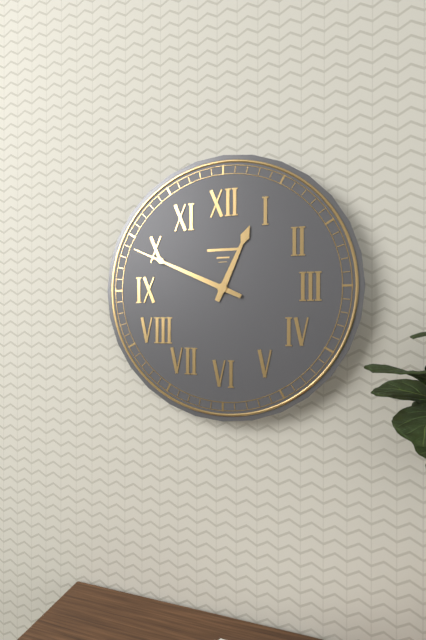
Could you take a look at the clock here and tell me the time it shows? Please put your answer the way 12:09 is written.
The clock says 12:49
